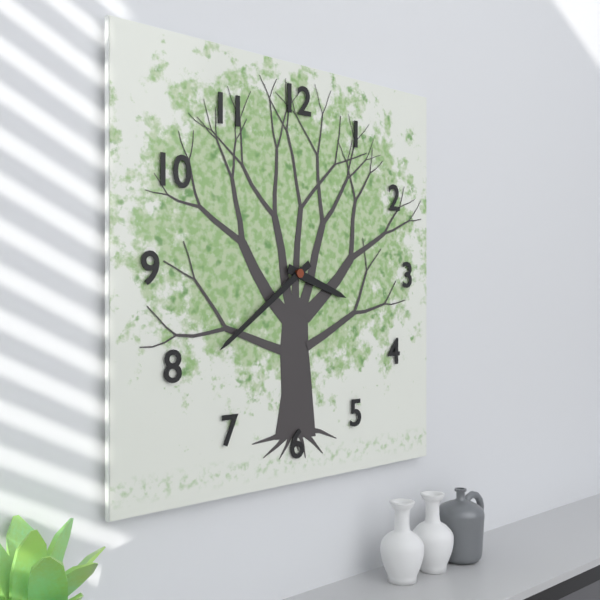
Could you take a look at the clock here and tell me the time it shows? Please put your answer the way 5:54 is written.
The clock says 3:39
